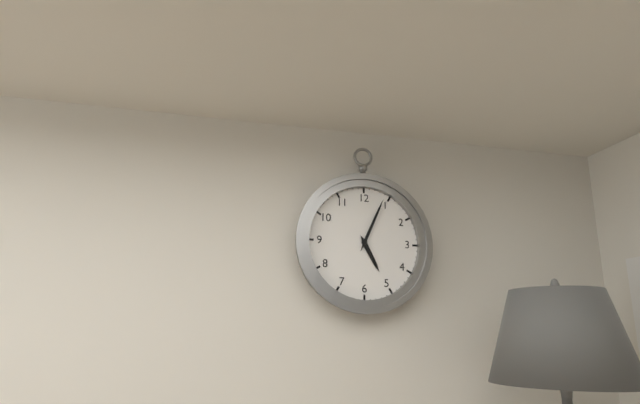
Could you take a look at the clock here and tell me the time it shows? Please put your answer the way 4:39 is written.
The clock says 5:04
